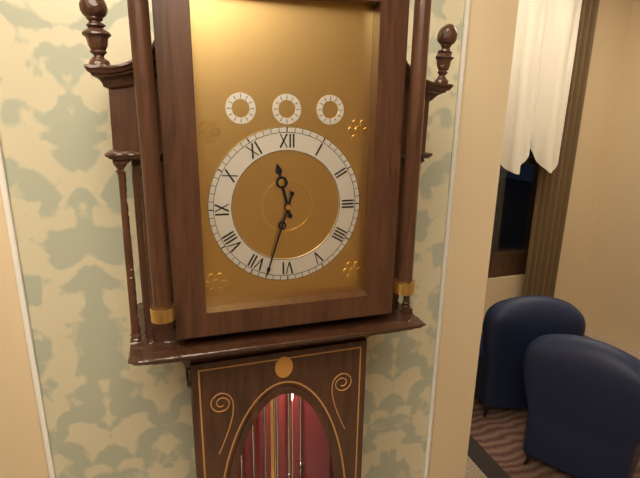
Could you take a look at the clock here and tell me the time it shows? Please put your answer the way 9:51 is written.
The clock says 11:33
